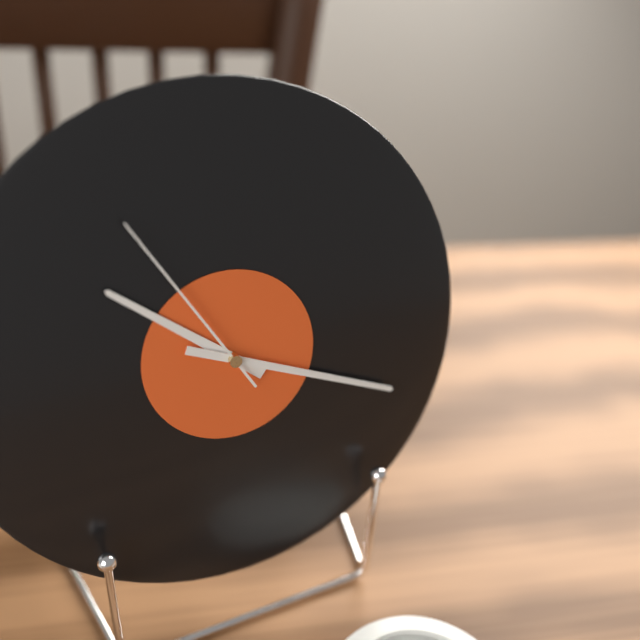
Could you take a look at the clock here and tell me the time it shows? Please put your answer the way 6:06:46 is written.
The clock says 10:19:55
